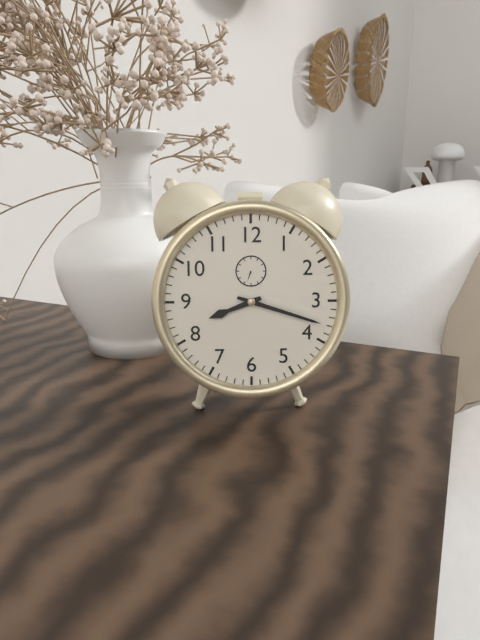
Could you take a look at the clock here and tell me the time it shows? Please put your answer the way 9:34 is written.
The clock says 8:18
